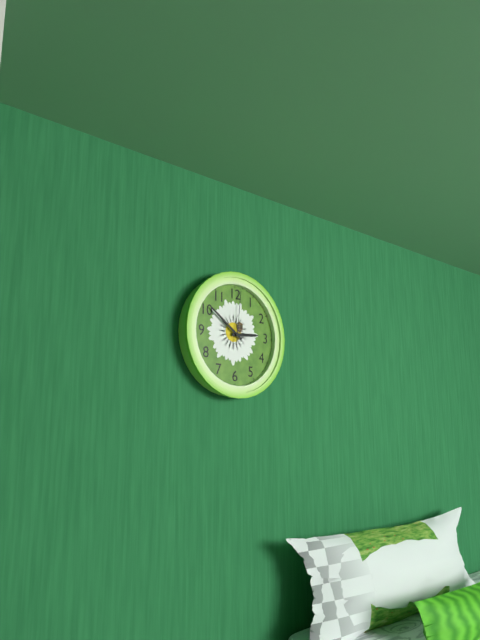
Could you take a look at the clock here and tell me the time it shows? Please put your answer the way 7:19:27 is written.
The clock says 2:51:01
